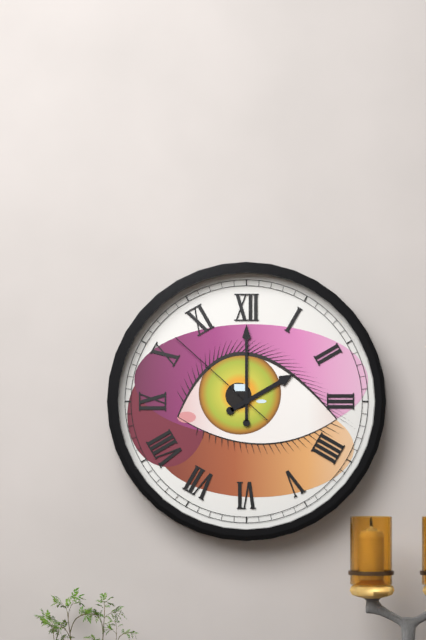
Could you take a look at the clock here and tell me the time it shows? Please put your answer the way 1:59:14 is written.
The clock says 2:00:52
